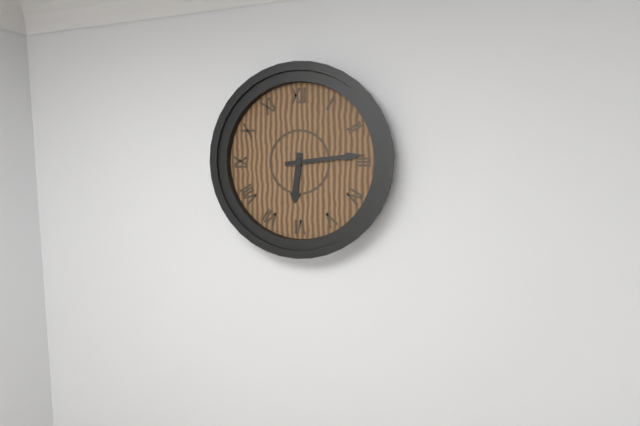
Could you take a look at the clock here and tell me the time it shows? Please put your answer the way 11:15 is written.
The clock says 6:14
